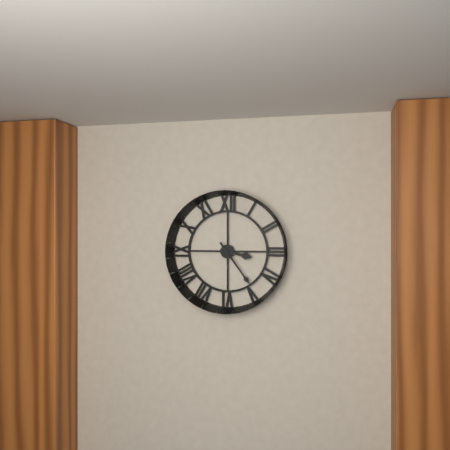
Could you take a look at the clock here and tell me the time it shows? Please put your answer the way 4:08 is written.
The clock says 3:24
